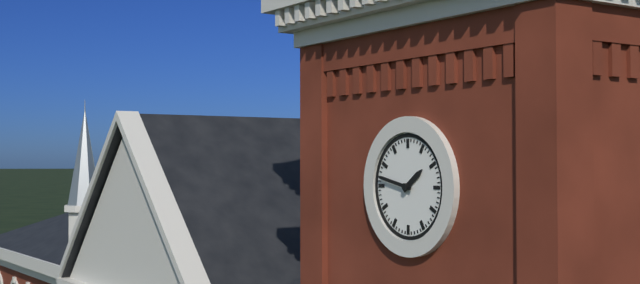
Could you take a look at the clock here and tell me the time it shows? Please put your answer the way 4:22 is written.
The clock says 1:47
